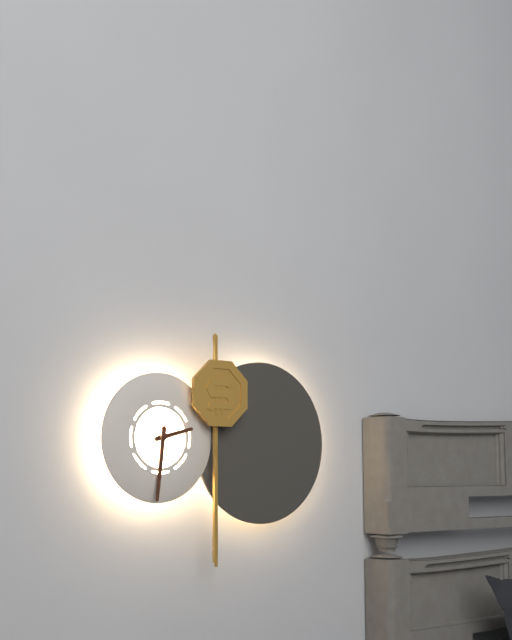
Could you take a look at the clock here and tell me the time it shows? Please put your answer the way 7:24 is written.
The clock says 2:31
